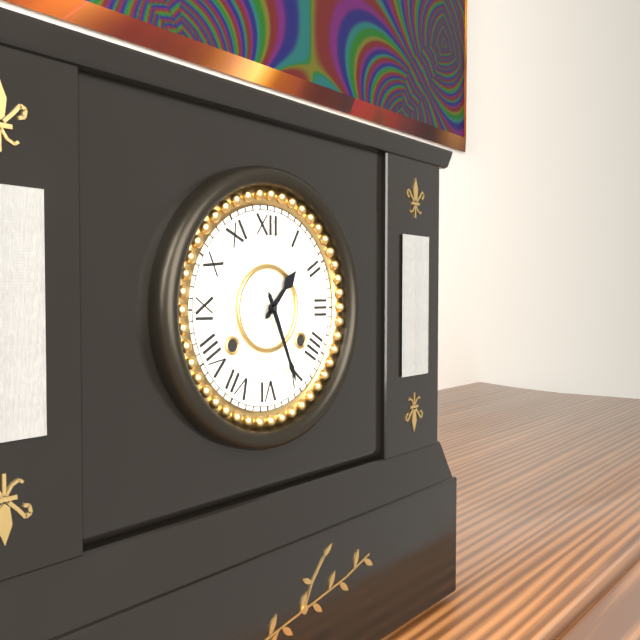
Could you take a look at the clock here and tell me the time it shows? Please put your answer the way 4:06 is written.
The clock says 1:26
